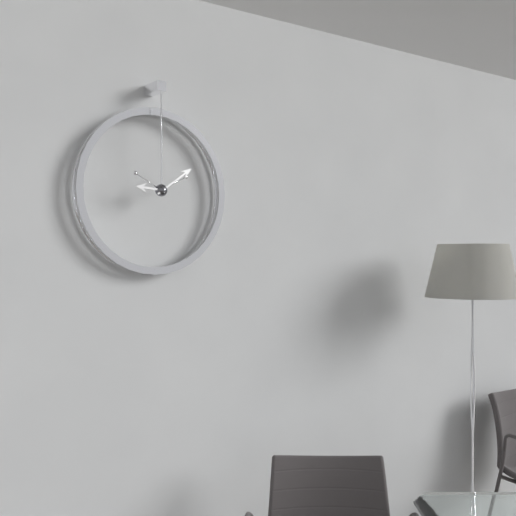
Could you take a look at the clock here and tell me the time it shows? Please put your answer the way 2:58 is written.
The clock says 9:09
